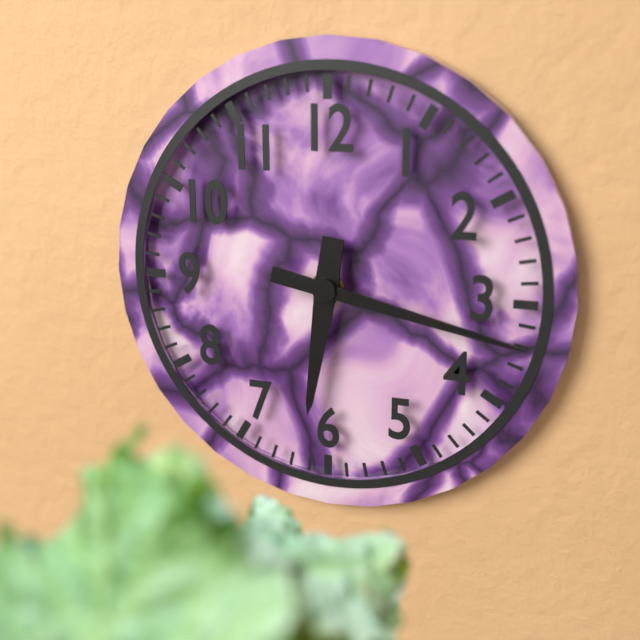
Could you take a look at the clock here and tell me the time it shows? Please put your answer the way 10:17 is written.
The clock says 6:17
